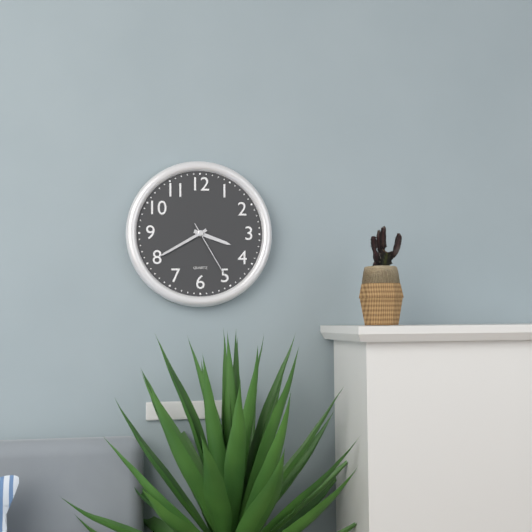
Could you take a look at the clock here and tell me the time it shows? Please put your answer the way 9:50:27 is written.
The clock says 3:40:25
